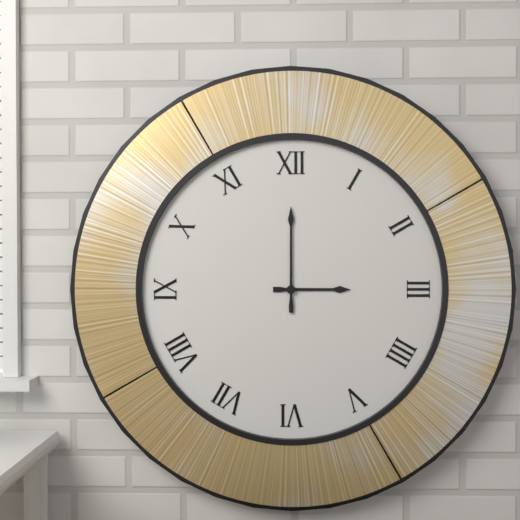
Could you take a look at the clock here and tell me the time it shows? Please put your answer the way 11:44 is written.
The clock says 3:00
